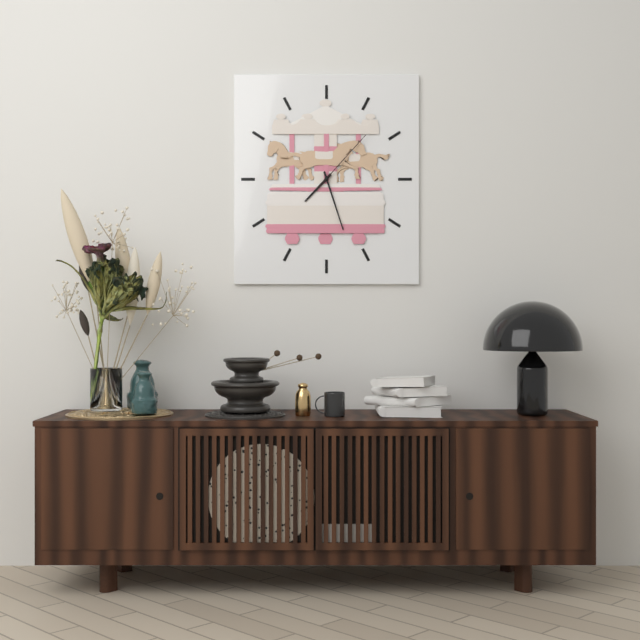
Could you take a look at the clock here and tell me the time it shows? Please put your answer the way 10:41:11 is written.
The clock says 7:27:07
